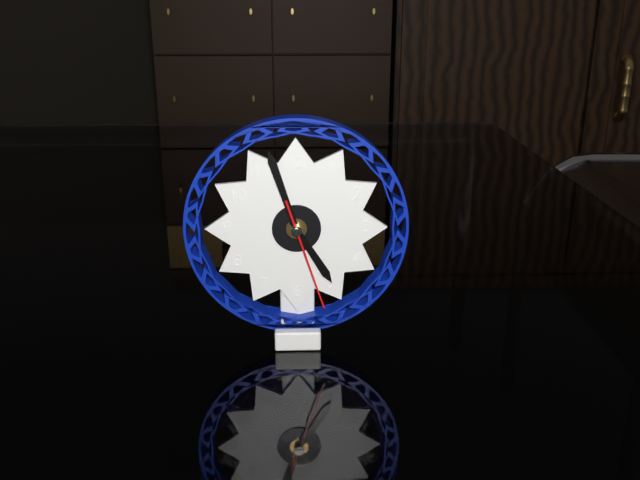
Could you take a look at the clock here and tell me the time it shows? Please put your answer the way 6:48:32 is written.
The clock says 4:57:27
